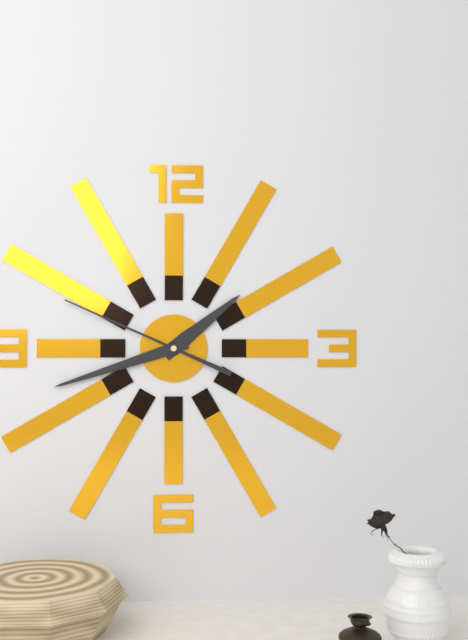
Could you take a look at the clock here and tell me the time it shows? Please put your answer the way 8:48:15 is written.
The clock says 1:42:49
